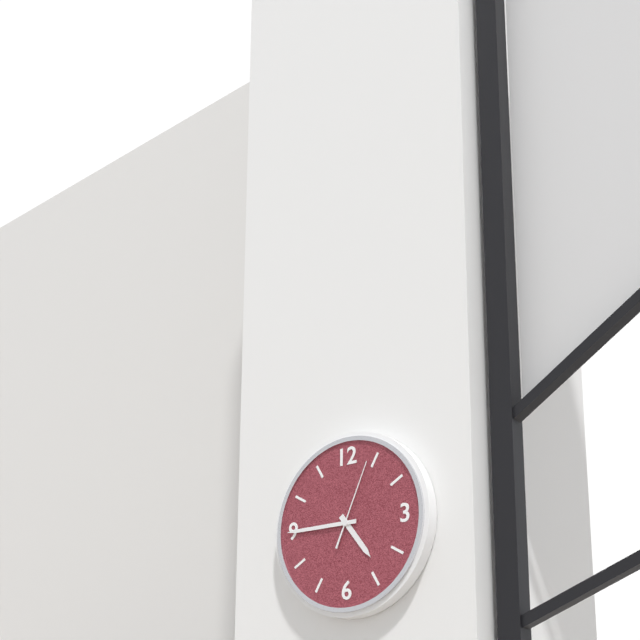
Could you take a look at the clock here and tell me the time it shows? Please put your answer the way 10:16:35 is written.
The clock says 4:45:04
